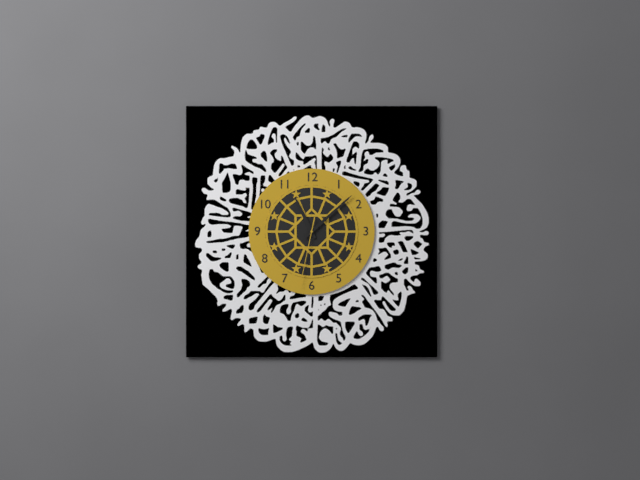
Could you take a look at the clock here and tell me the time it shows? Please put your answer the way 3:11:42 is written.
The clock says 11:08:32
